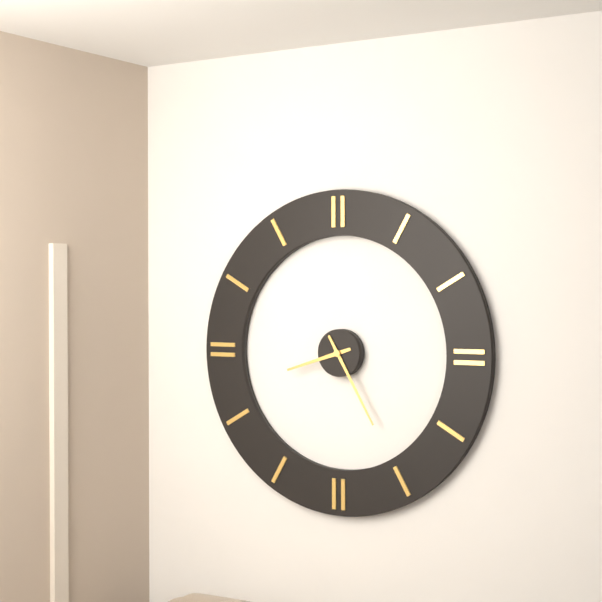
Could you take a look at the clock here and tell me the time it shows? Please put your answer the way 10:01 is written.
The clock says 8:25
